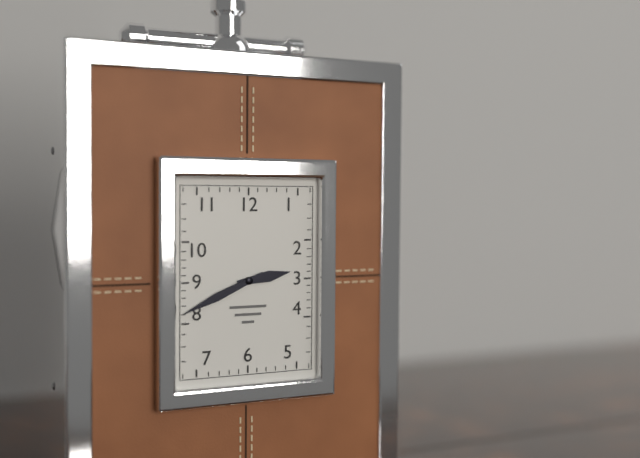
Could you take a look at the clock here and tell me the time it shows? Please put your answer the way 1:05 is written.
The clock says 2:41
